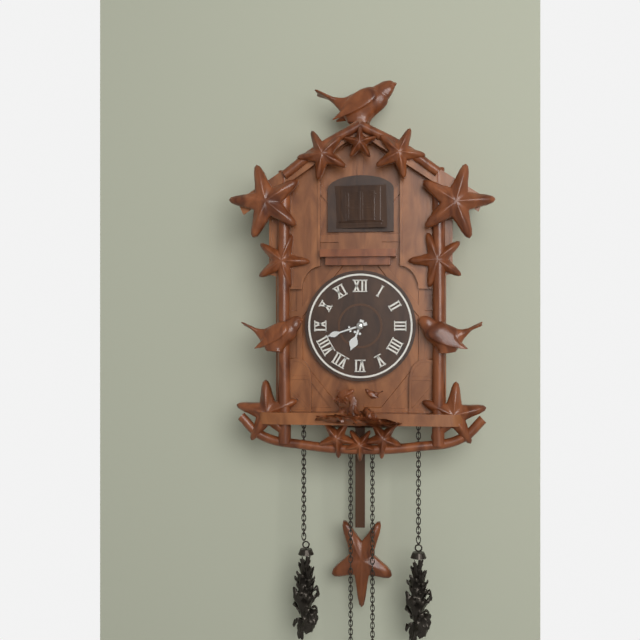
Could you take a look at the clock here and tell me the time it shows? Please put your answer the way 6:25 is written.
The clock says 6:42
